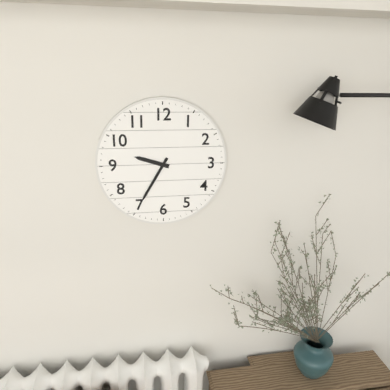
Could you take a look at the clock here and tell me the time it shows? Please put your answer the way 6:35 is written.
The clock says 9:35
